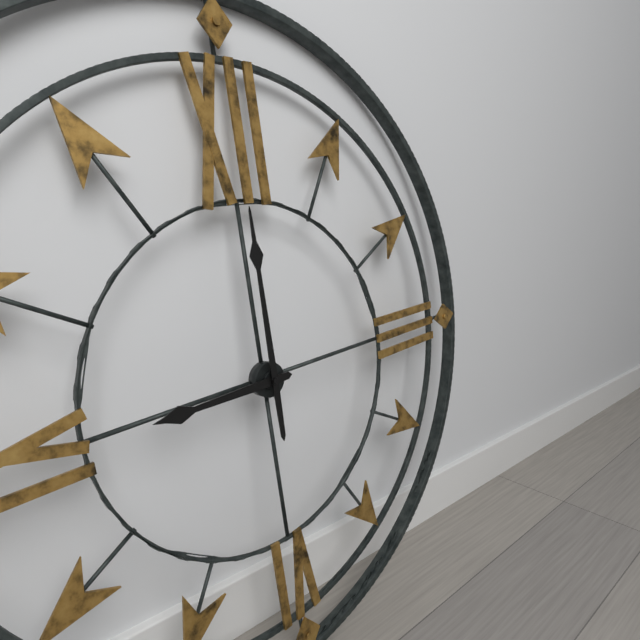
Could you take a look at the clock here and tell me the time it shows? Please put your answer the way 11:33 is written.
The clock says 9:00
